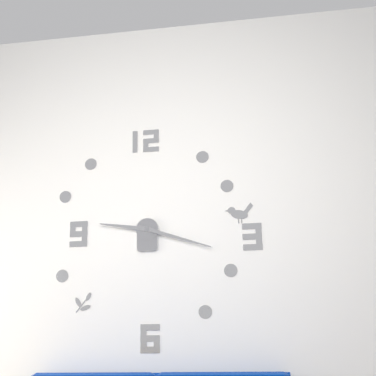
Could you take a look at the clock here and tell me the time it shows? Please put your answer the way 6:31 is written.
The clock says 9:18
